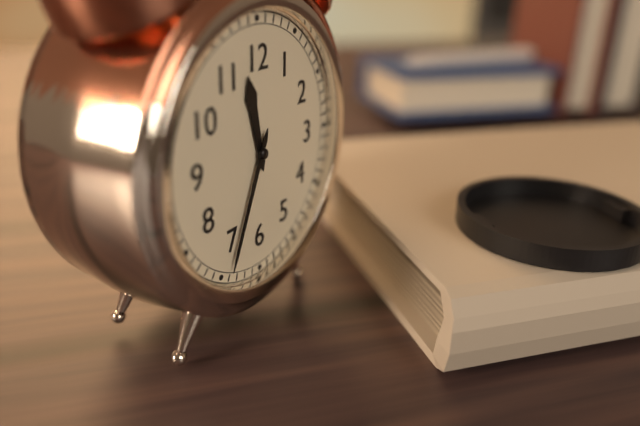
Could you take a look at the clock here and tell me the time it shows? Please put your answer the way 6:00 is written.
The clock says 11:34
